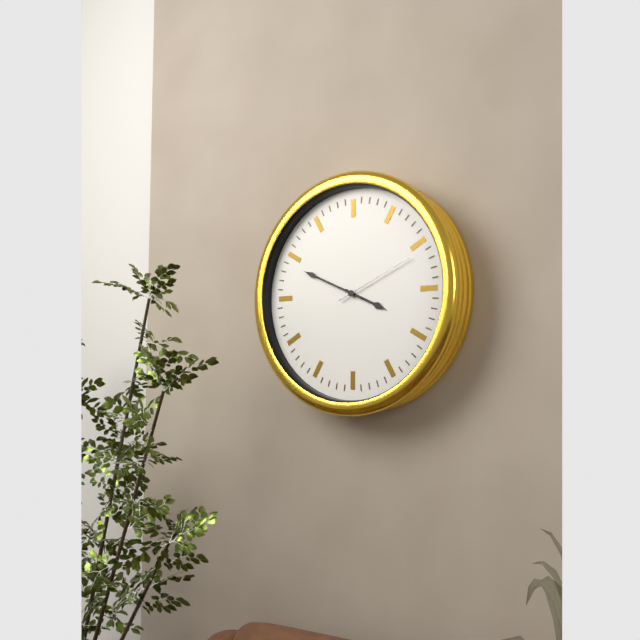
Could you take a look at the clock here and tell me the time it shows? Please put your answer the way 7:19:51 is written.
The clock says 3:49:11
